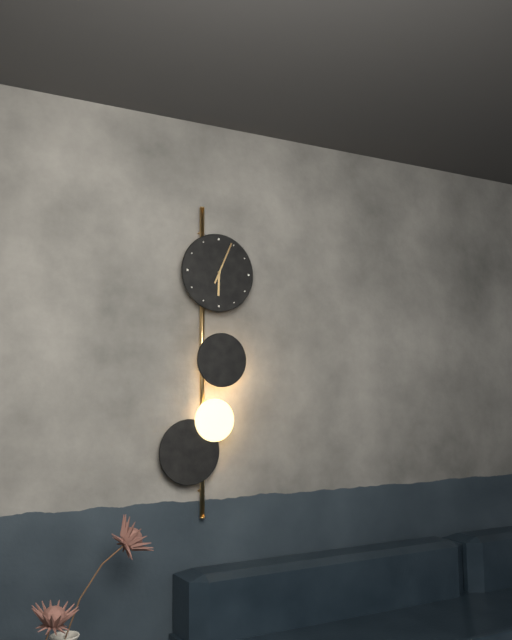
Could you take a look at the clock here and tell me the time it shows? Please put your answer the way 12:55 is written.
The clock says 6:04
